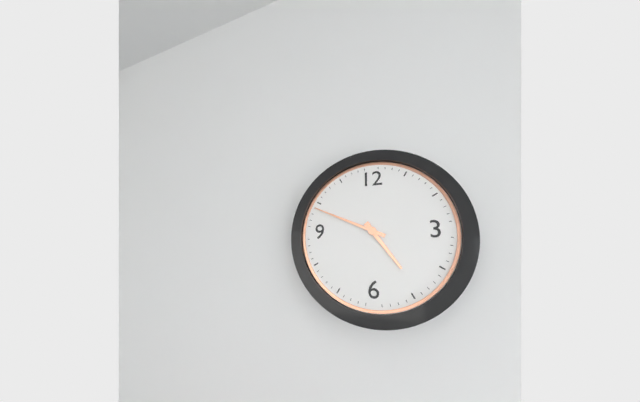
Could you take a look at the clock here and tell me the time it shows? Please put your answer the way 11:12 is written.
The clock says 4:49
